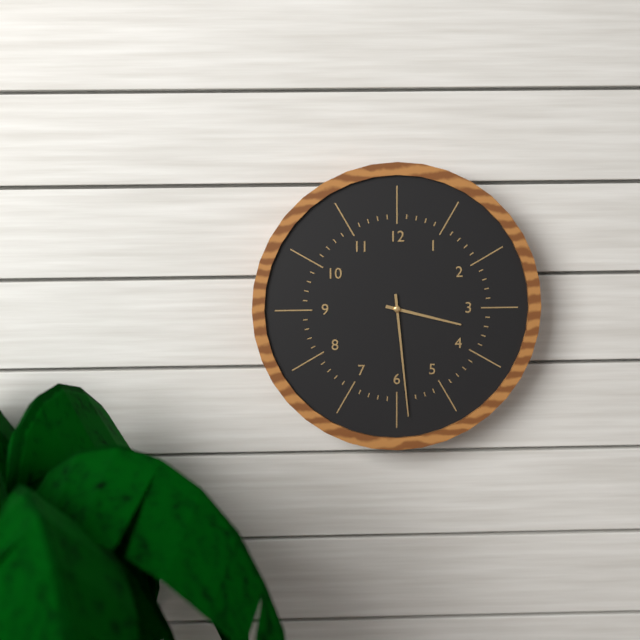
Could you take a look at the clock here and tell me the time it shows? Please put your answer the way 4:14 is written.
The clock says 3:29
